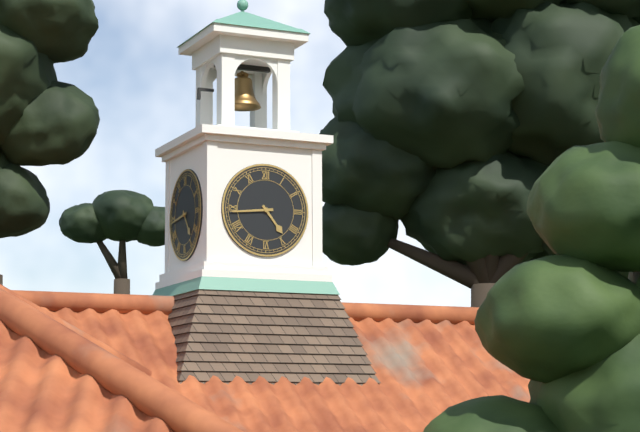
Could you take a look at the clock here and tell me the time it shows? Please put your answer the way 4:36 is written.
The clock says 4:44
